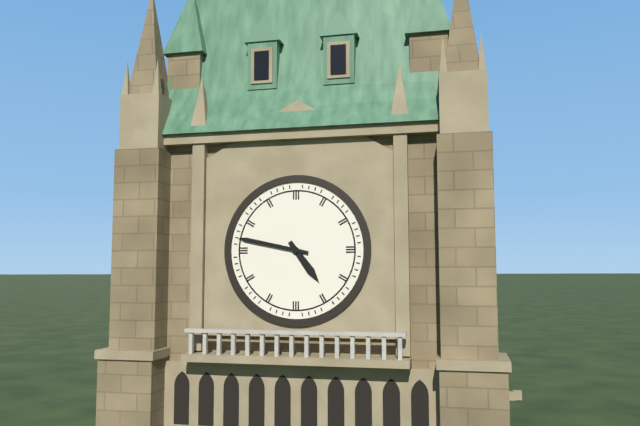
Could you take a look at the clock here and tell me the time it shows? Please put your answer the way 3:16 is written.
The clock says 4:47
